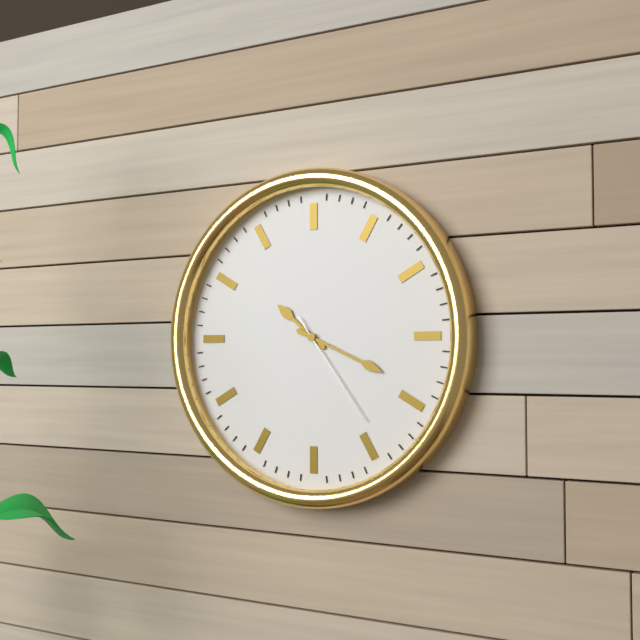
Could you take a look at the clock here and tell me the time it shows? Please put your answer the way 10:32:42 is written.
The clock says 10:19:24
